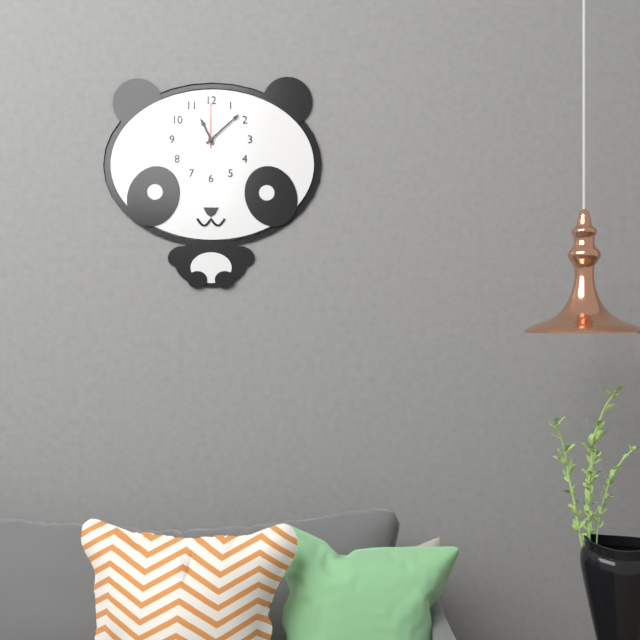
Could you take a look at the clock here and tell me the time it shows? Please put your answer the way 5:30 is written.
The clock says 11:08
